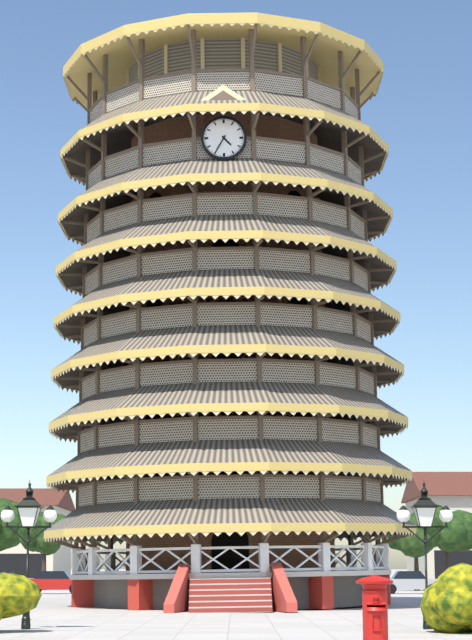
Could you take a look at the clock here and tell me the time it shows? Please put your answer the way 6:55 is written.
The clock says 4:35
